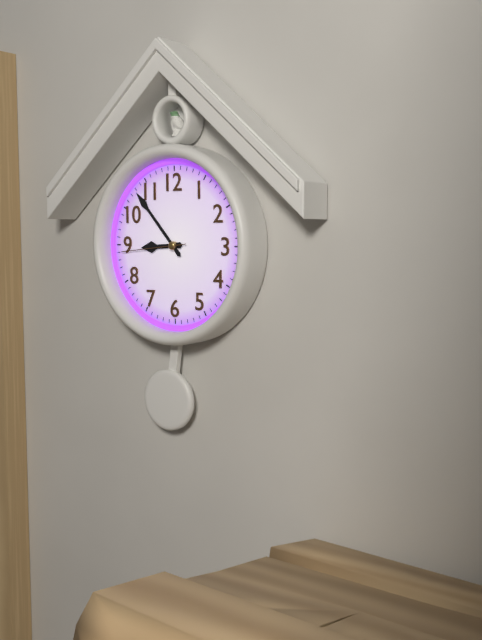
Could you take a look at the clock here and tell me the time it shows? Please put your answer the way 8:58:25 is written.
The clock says 8:53:44
